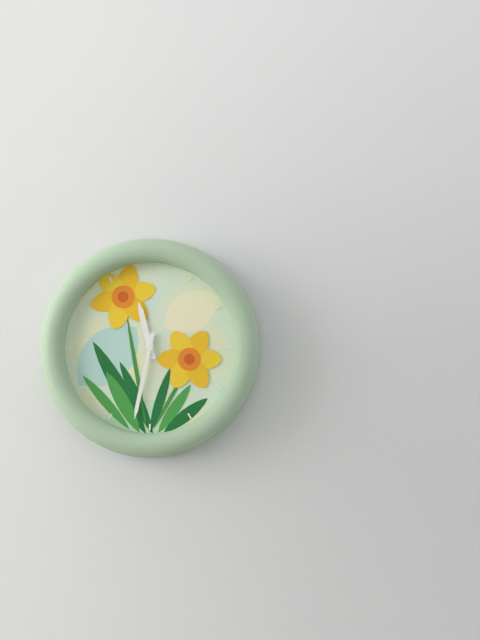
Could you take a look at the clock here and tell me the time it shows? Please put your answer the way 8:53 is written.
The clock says 11:32
